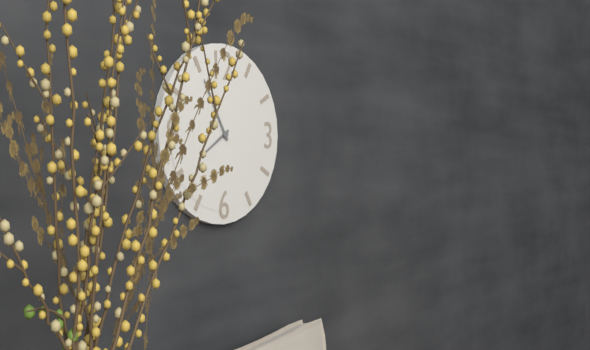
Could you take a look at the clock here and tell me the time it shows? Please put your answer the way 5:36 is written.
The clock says 7:55
